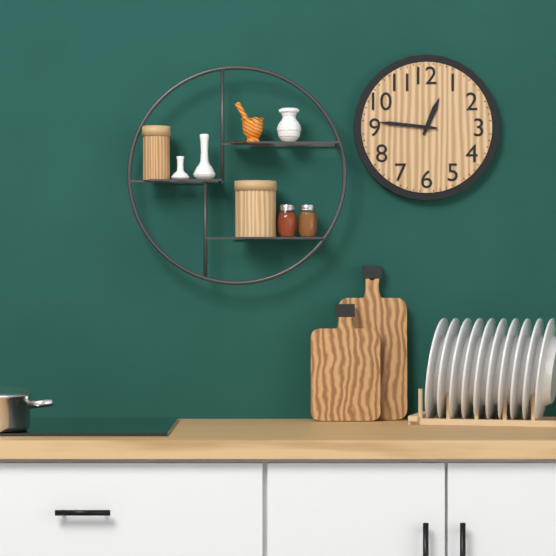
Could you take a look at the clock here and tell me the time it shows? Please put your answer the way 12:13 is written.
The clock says 12:46
